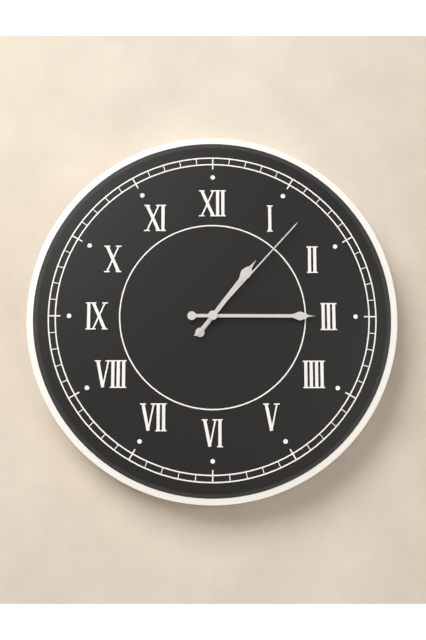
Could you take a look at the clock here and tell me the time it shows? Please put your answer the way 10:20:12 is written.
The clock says 1:15:07
